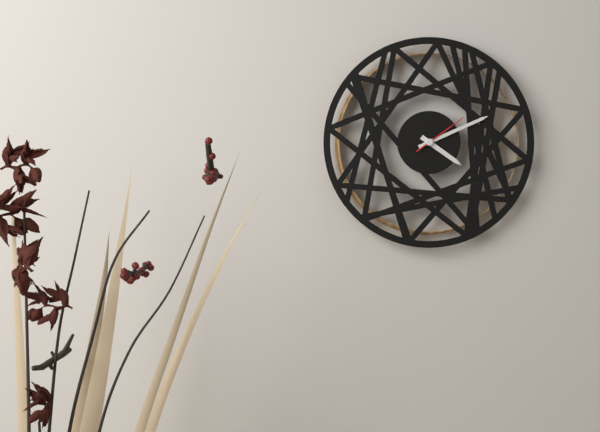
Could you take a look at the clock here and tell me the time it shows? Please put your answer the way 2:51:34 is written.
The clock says 4:11:09
